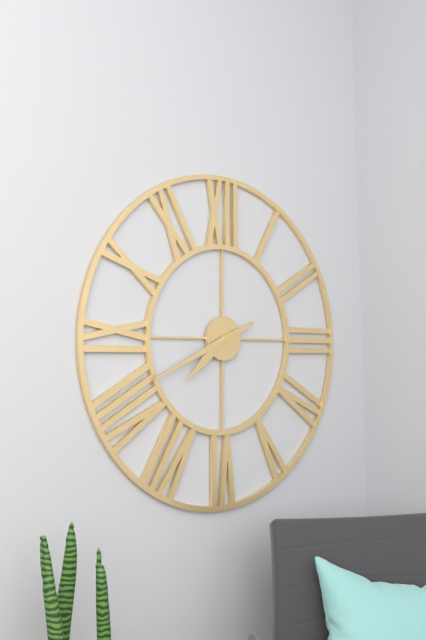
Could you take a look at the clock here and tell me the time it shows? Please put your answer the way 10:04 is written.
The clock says 7:41
